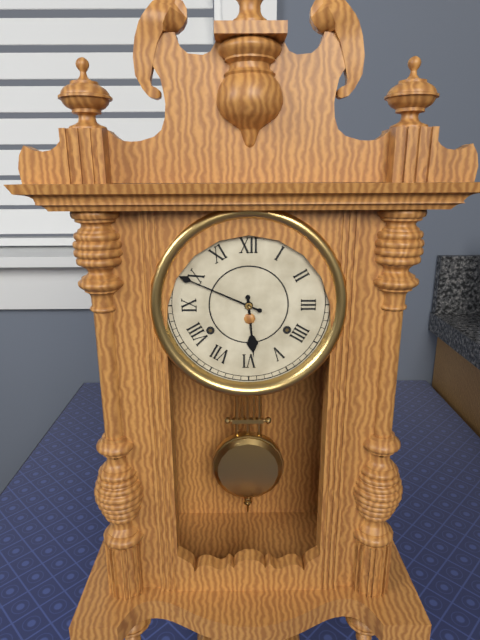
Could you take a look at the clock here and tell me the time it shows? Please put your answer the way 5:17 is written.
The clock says 5:49
